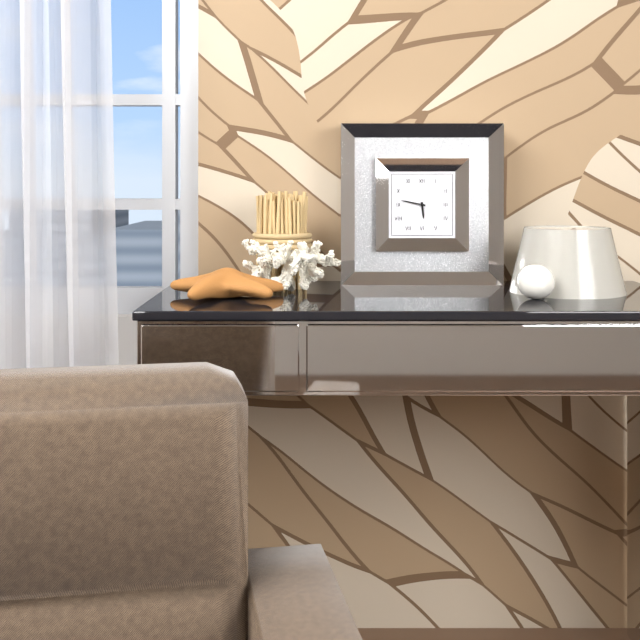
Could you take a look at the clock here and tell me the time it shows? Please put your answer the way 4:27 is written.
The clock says 5:47
